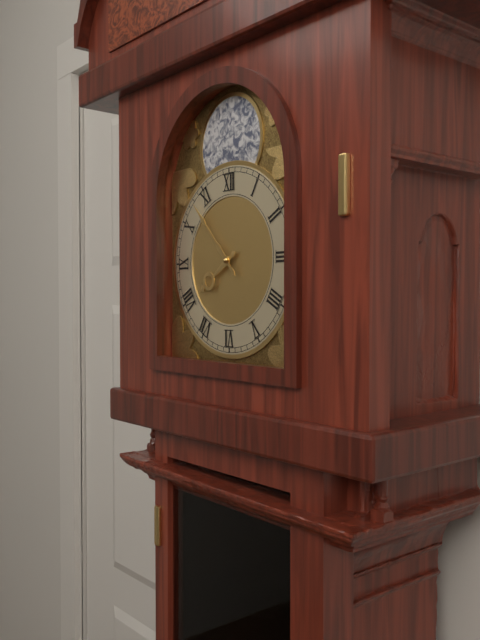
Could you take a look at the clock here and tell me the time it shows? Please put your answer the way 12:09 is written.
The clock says 7:53
